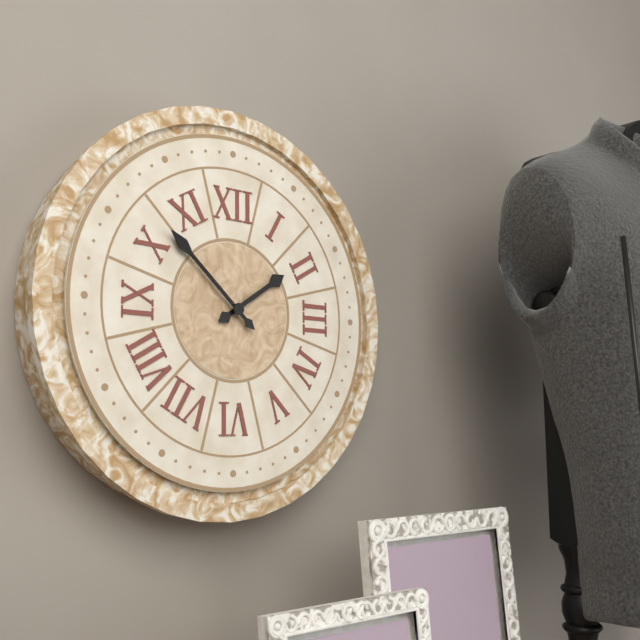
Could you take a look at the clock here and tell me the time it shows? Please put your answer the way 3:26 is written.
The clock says 1:52
